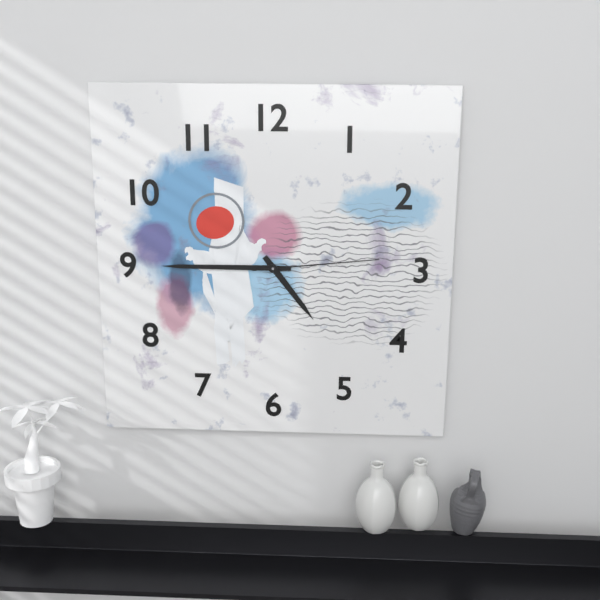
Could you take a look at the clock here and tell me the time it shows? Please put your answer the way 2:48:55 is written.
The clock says 4:45:14
